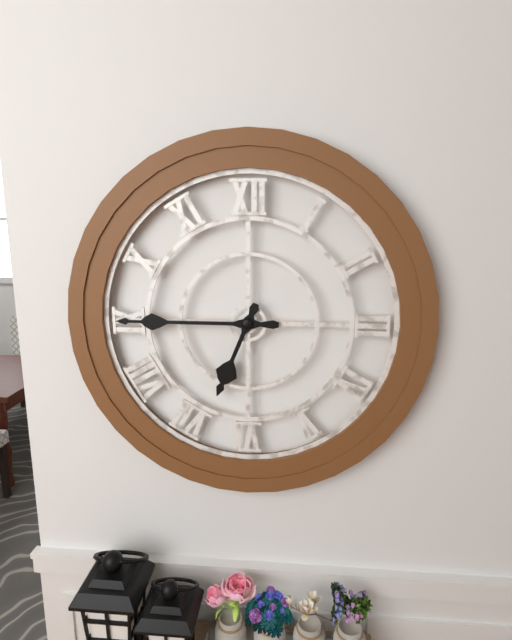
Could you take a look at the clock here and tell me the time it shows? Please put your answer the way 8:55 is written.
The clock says 6:45
